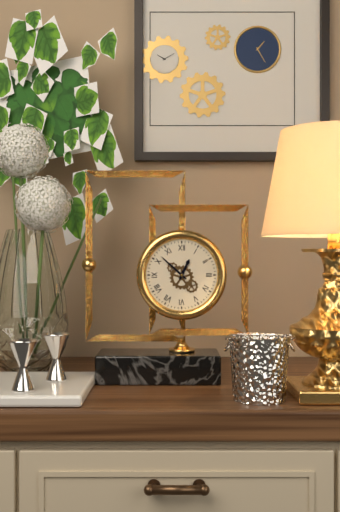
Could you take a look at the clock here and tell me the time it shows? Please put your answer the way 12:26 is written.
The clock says 12:52
